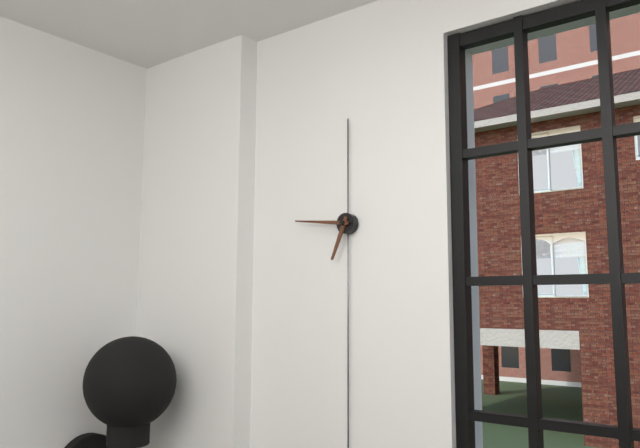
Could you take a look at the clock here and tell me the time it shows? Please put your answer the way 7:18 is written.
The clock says 6:46
